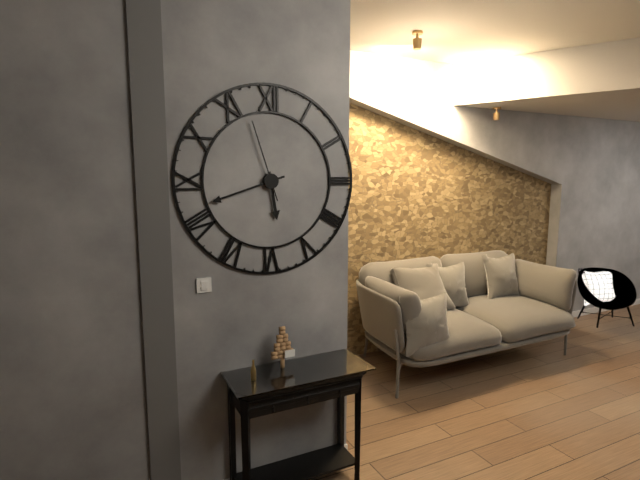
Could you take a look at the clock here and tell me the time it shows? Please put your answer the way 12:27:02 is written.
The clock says 5:42:57
